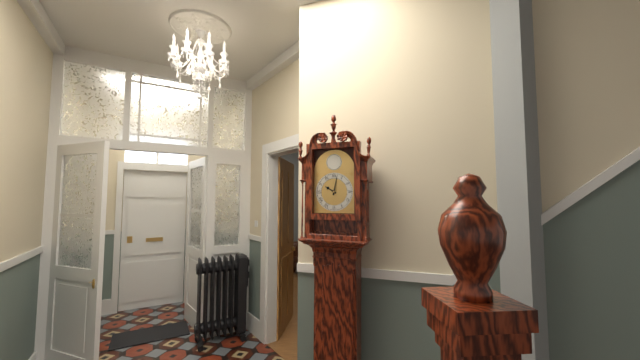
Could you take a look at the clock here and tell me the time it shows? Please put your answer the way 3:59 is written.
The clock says 10:02
